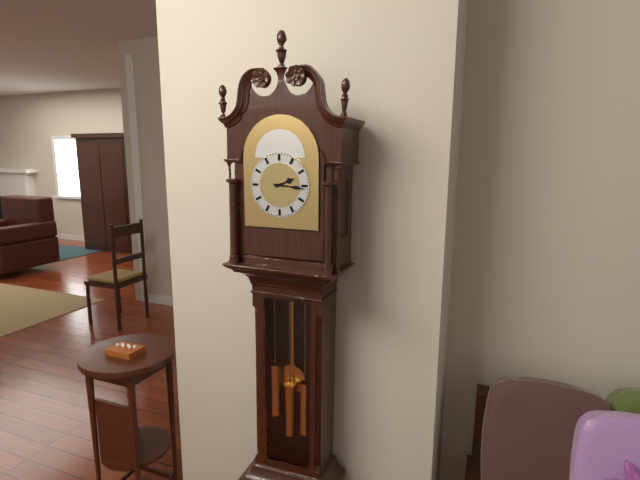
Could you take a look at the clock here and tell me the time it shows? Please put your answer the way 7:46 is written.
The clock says 2:16
